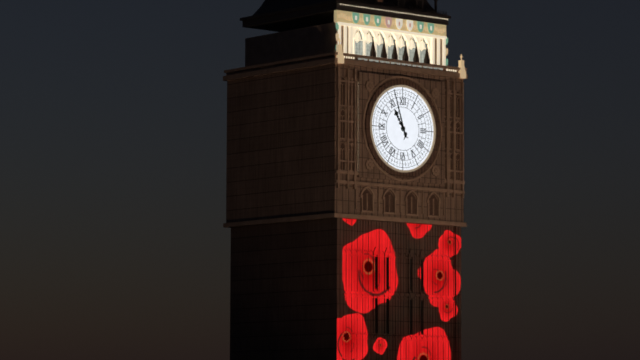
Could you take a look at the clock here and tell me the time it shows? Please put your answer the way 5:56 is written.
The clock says 10:57
